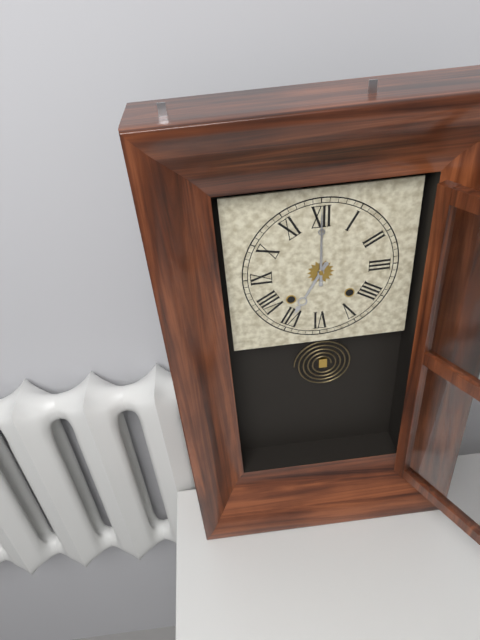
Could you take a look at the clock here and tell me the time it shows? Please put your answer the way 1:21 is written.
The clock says 7:00
